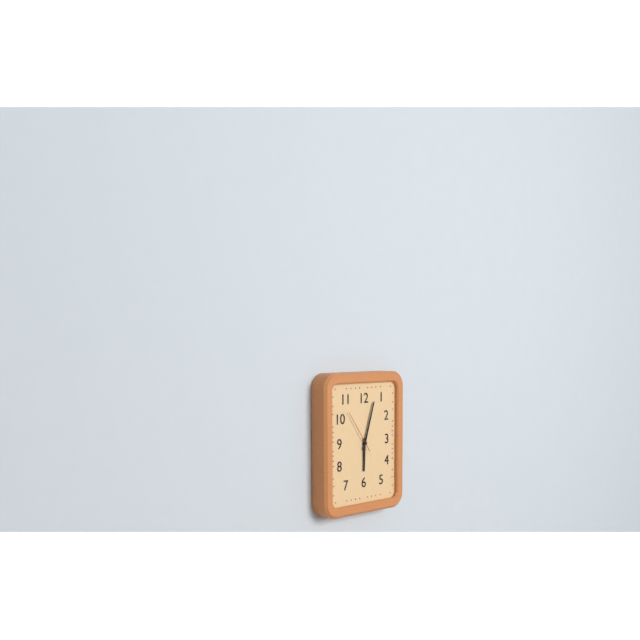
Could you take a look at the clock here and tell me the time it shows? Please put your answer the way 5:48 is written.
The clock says 6:03
